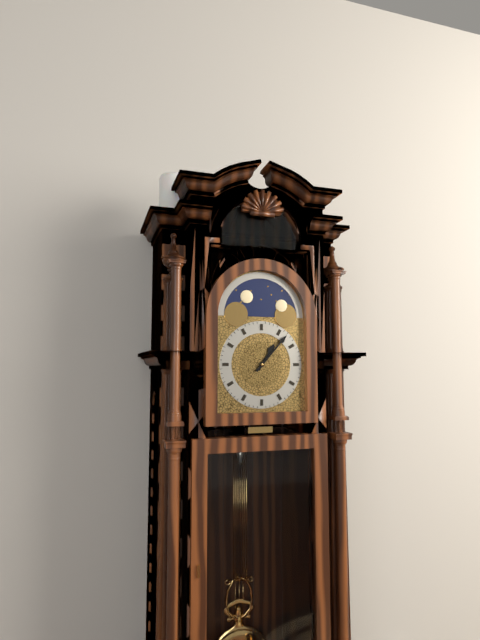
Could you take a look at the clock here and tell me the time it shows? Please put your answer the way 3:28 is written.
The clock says 1:07
